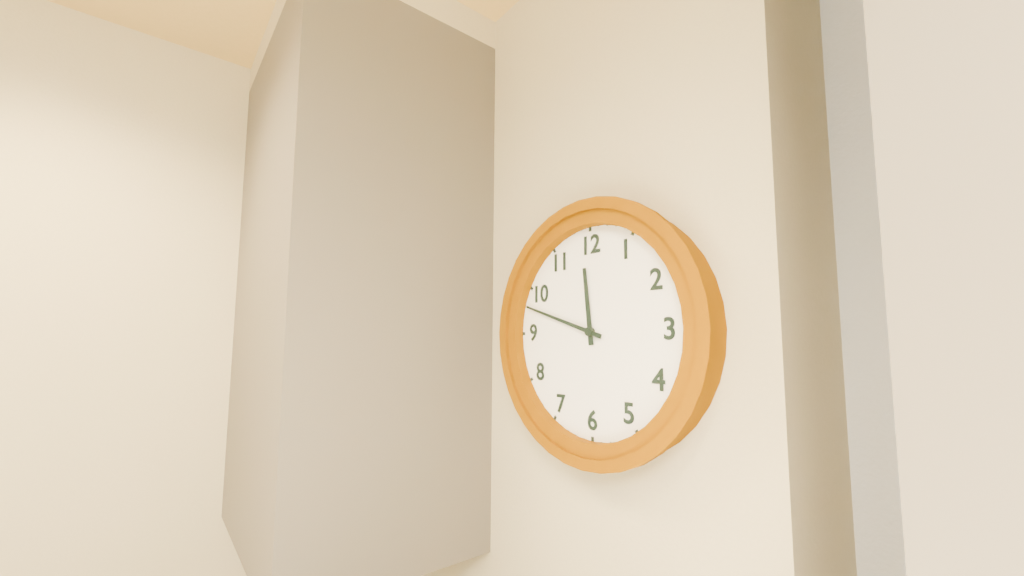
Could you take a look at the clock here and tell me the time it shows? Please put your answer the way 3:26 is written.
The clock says 11:48
